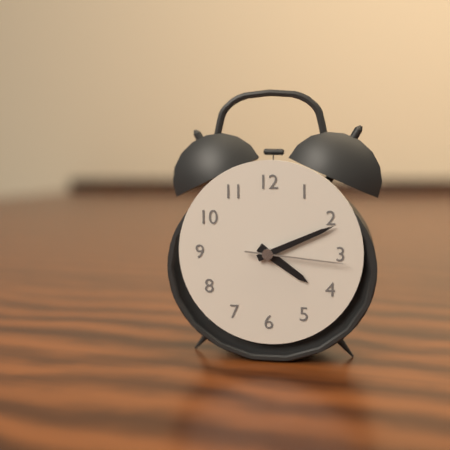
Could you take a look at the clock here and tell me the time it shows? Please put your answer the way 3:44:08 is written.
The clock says 4:11:16
